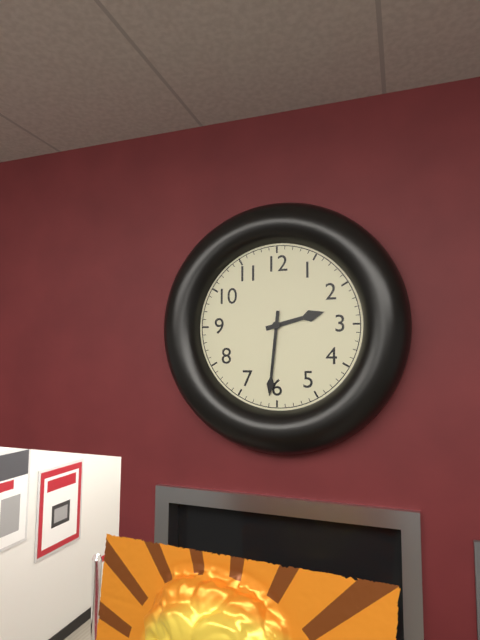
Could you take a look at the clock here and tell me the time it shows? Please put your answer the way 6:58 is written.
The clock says 2:31
